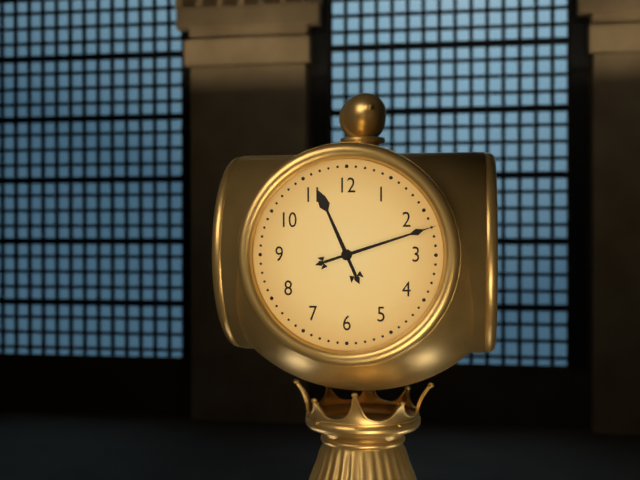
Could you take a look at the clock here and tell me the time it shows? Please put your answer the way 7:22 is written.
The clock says 11:12
